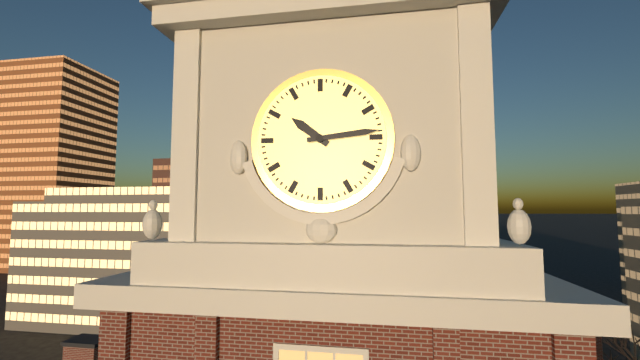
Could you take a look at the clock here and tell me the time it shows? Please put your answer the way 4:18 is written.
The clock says 10:14
